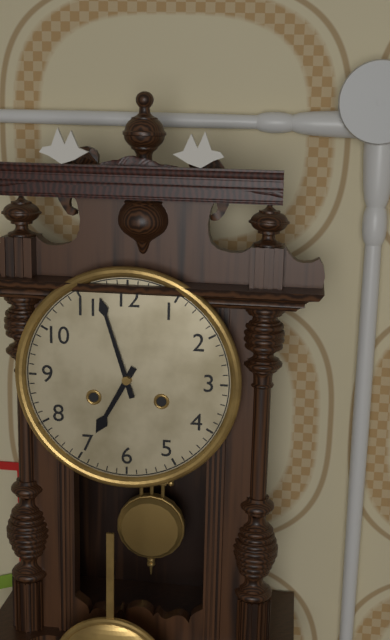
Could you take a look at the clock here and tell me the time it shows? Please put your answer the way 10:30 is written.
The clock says 6:57
